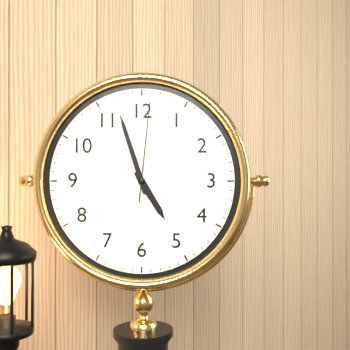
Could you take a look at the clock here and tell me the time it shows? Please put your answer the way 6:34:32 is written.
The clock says 4:57:01
